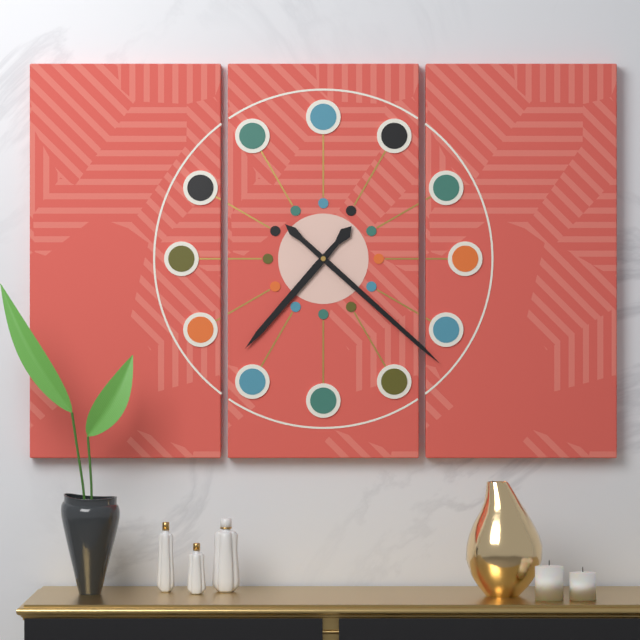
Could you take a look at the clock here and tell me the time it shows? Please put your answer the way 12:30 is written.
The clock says 7:22
